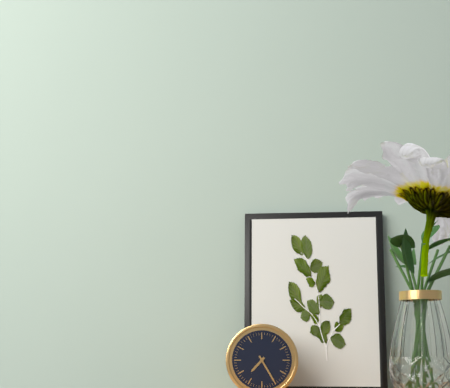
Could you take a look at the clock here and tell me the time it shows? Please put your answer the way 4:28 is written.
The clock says 7:25
